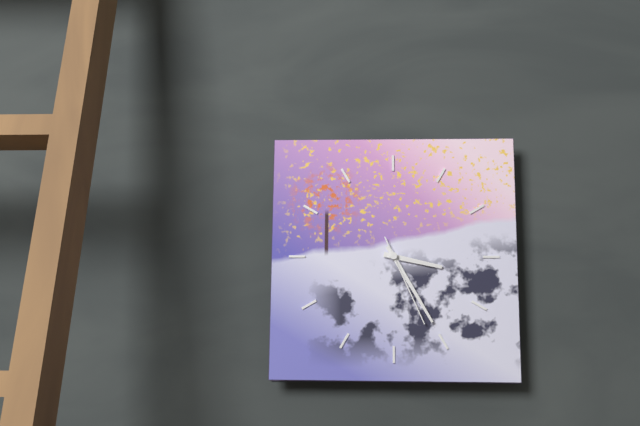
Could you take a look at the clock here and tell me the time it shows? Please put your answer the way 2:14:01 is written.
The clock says 3:25:26
